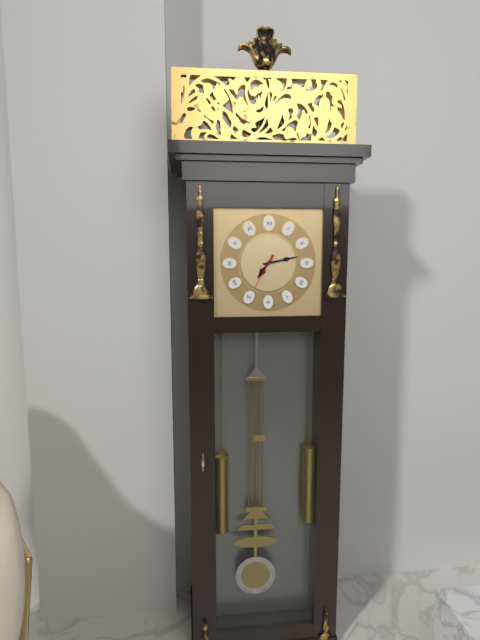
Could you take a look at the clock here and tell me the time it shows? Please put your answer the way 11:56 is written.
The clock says 7:13
